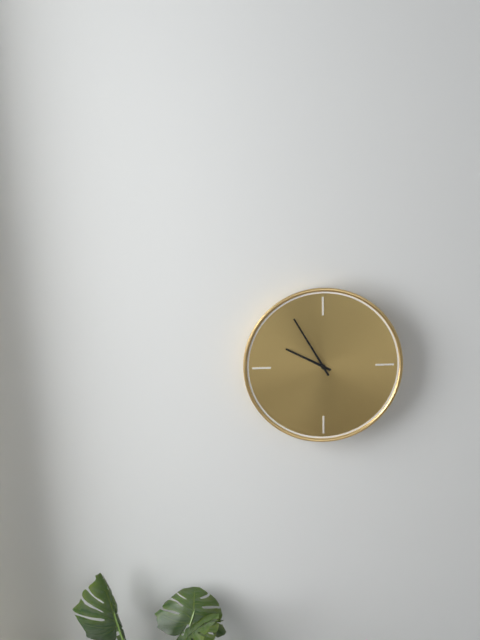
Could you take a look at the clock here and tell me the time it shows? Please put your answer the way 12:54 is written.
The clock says 9:55
